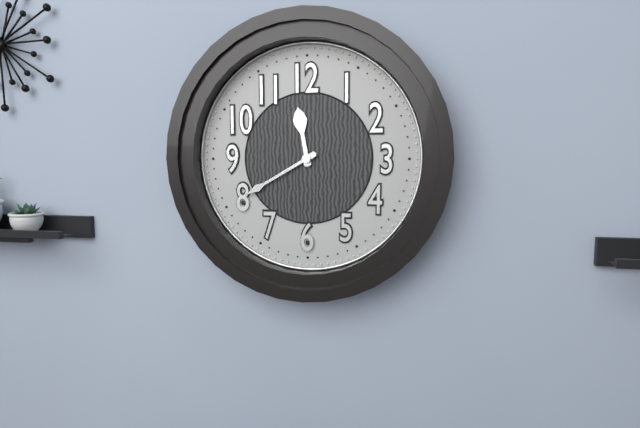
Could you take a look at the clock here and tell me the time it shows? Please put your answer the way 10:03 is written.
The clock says 11:40
